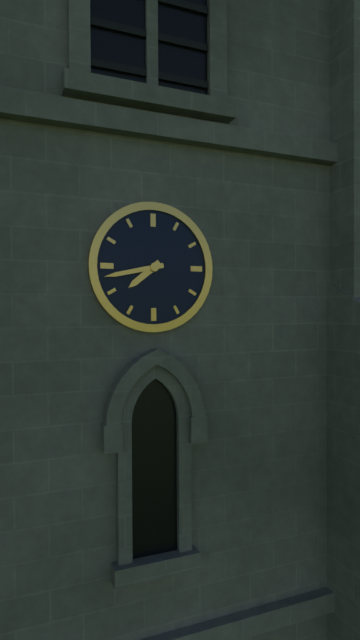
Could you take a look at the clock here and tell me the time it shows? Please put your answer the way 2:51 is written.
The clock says 7:43
